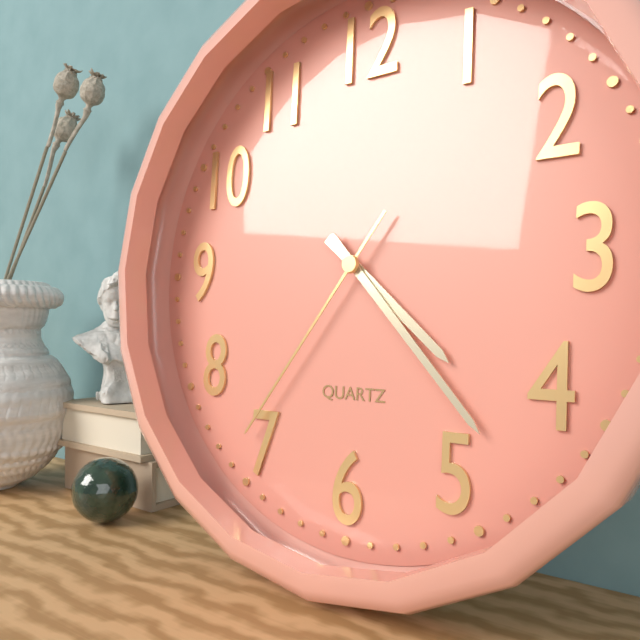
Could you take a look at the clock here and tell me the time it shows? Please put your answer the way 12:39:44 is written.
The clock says 4:23:36
